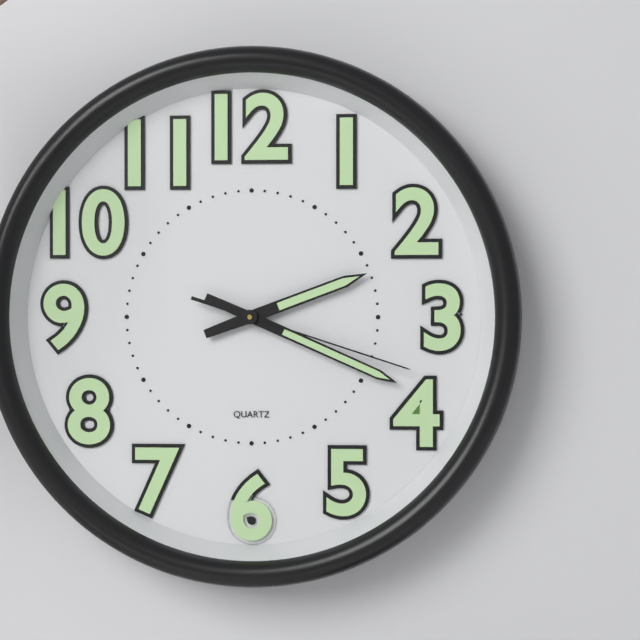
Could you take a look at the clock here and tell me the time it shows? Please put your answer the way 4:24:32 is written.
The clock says 2:19:18
